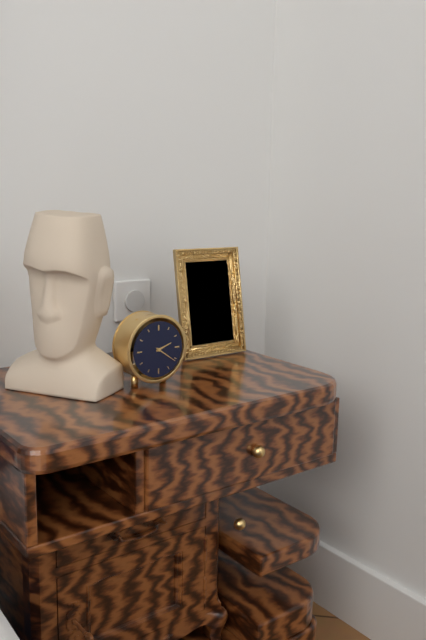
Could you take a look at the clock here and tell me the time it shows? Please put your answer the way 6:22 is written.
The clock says 2:21
